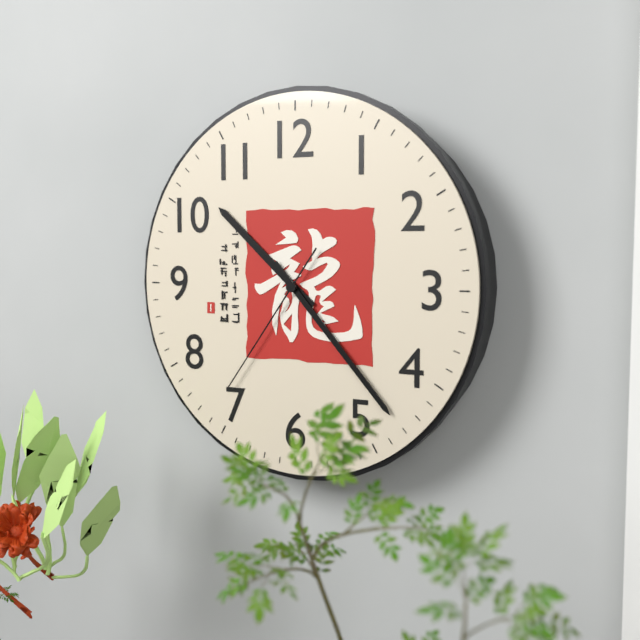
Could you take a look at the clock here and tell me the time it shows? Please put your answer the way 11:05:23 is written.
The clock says 10:23:36
